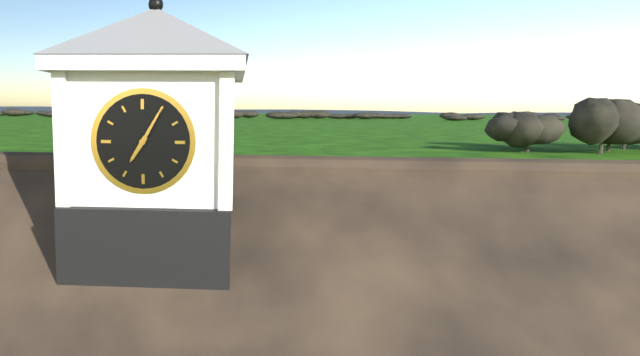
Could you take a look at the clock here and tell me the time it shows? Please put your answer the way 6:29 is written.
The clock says 7:05
